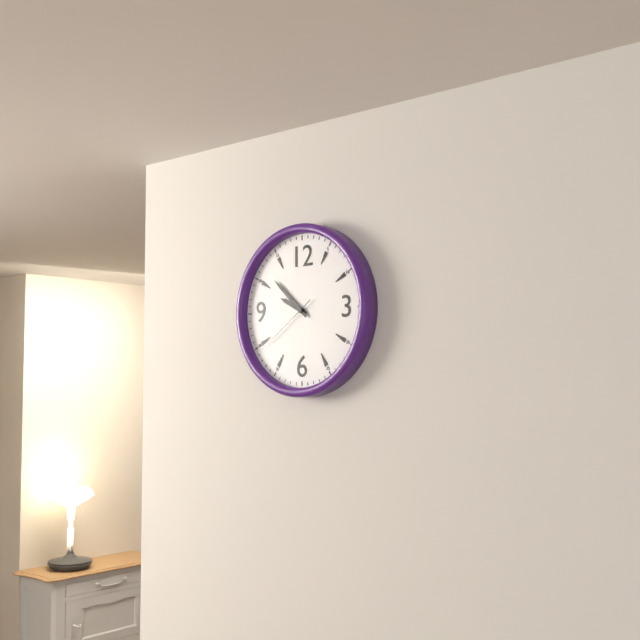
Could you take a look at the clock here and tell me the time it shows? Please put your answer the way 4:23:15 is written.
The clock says 9:52:39
